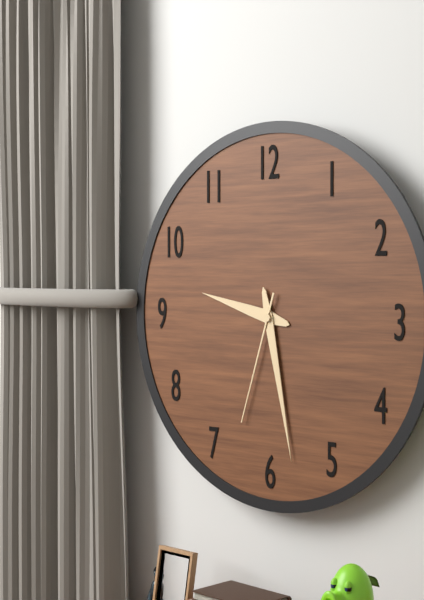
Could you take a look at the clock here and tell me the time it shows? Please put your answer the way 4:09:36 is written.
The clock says 9:28:33
